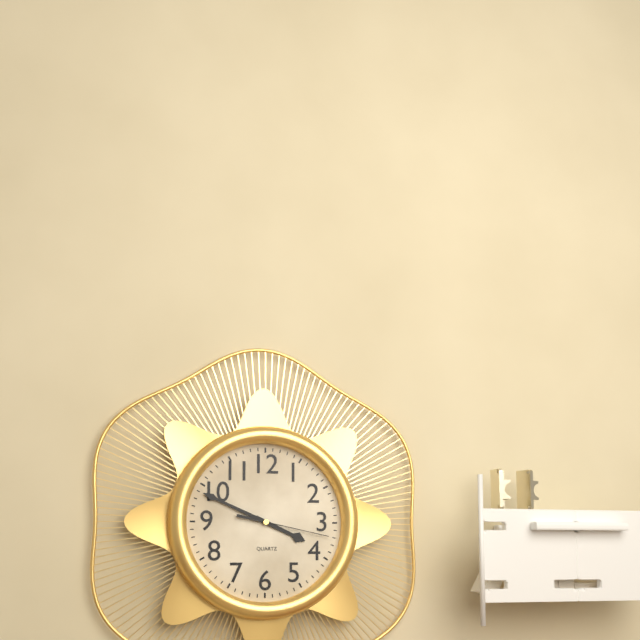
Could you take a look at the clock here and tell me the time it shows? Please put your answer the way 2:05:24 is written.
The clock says 3:49:17
